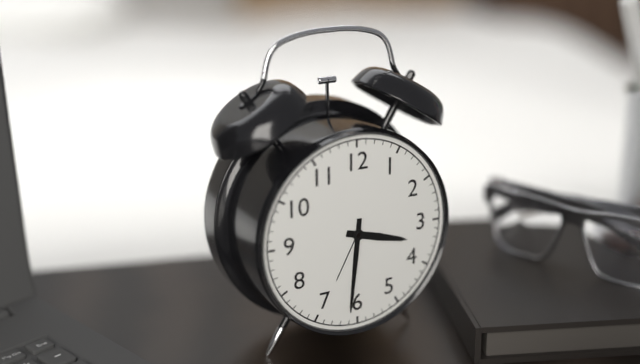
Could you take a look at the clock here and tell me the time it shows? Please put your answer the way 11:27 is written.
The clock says 3:31
